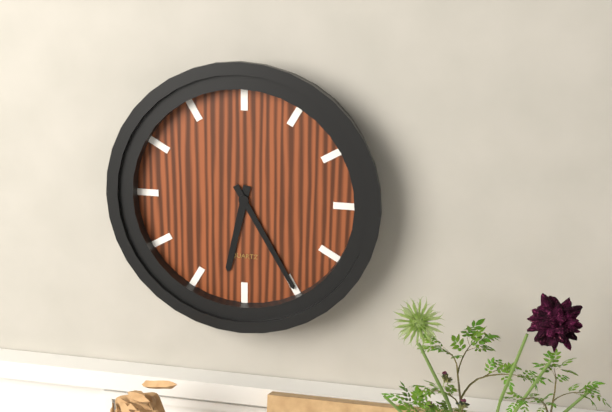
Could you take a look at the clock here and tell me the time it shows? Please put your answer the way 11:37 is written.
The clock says 6:25
